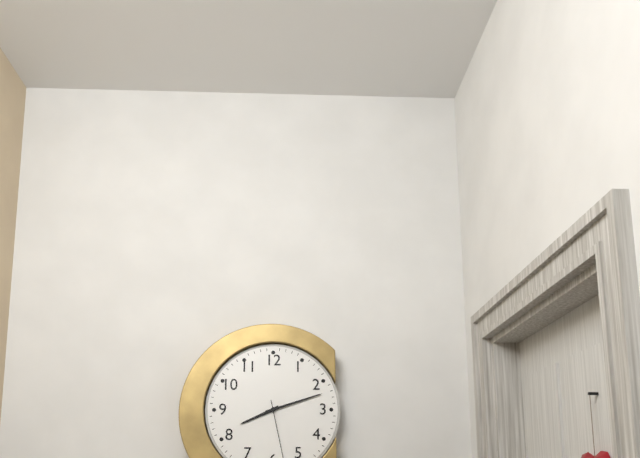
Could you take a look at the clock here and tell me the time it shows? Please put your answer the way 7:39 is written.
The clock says 8:12
